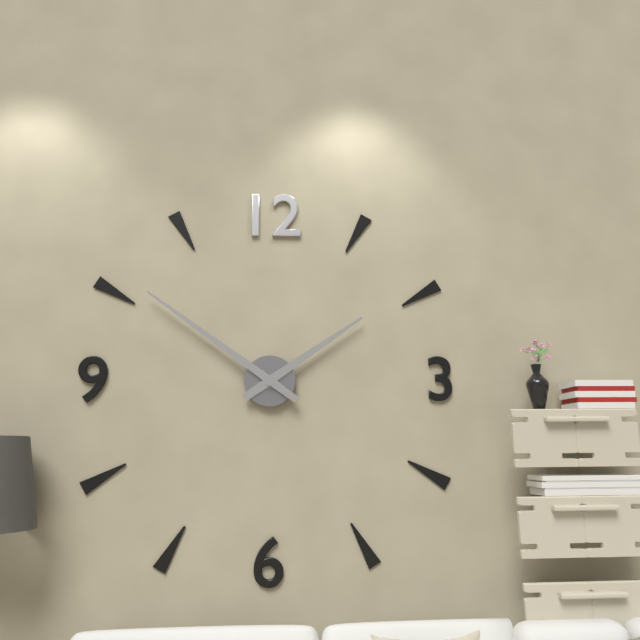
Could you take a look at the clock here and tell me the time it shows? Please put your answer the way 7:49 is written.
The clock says 1:51
